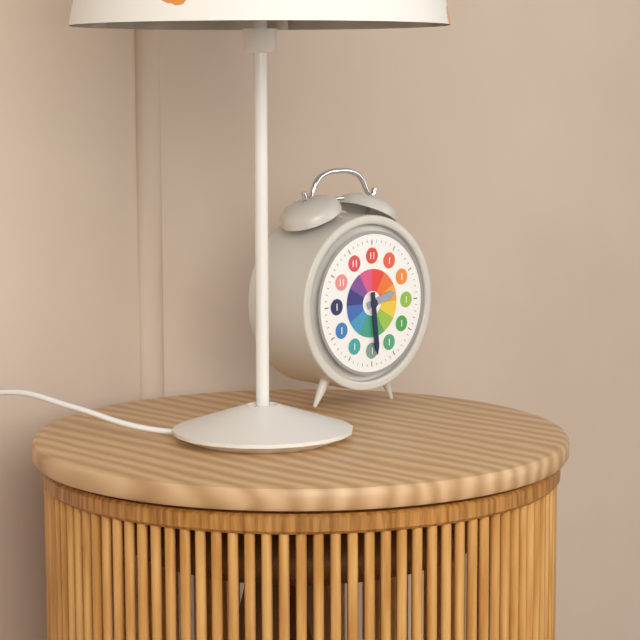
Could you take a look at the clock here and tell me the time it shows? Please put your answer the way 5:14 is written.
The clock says 2:29
